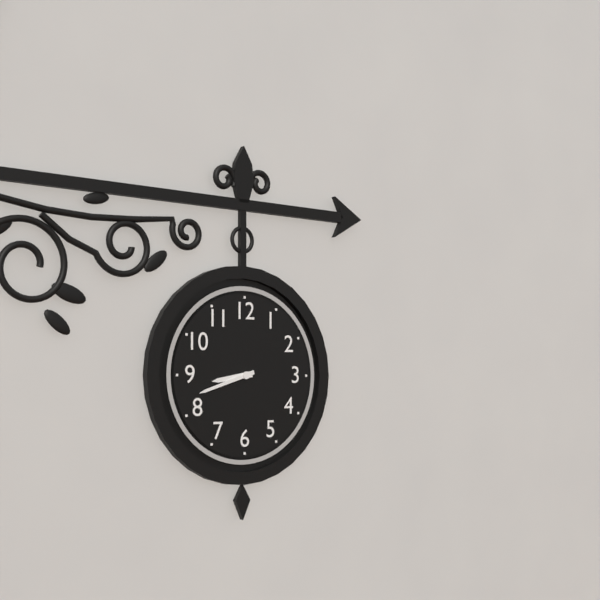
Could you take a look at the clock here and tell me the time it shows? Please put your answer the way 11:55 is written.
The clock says 8:42
